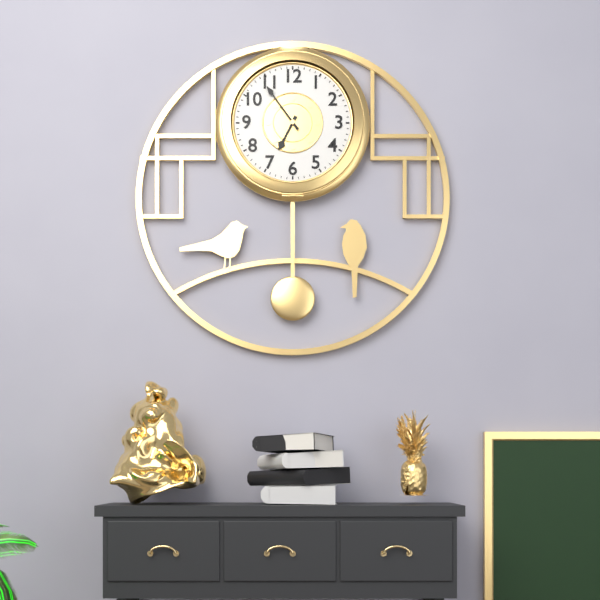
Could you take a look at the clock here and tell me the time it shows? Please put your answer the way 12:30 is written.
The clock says 6:54
